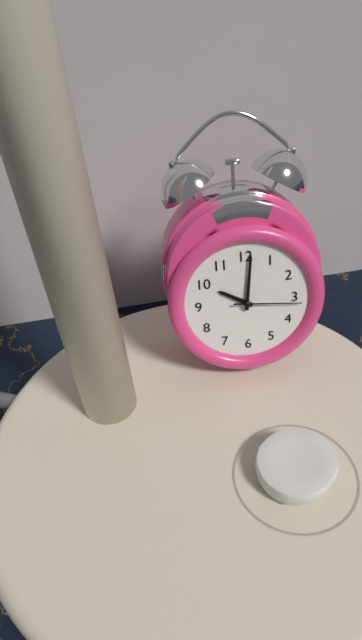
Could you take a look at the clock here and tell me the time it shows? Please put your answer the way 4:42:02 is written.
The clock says 10:01:16
